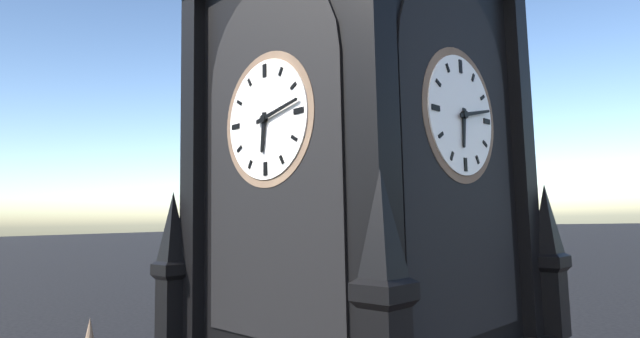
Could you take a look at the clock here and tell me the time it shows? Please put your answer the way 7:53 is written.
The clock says 6:13
